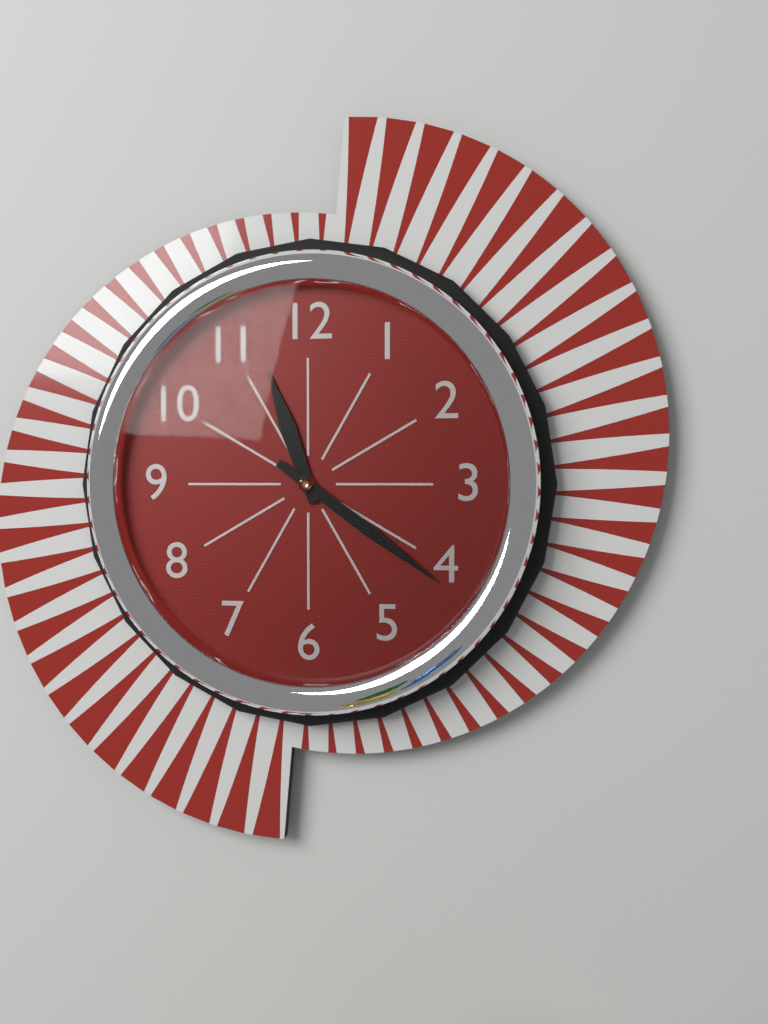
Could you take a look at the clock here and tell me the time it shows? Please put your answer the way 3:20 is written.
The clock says 11:21
